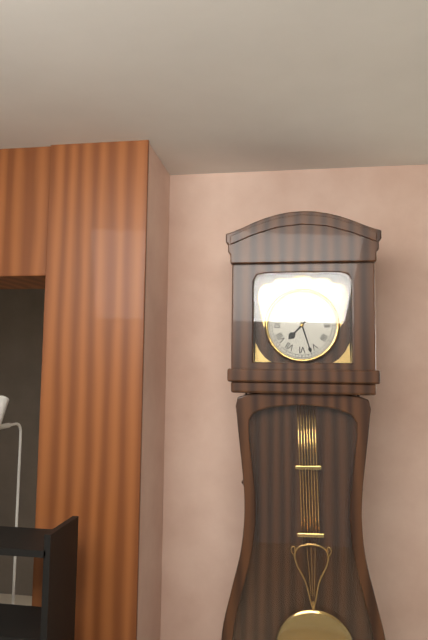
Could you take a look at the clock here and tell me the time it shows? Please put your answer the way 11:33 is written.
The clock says 7:27
